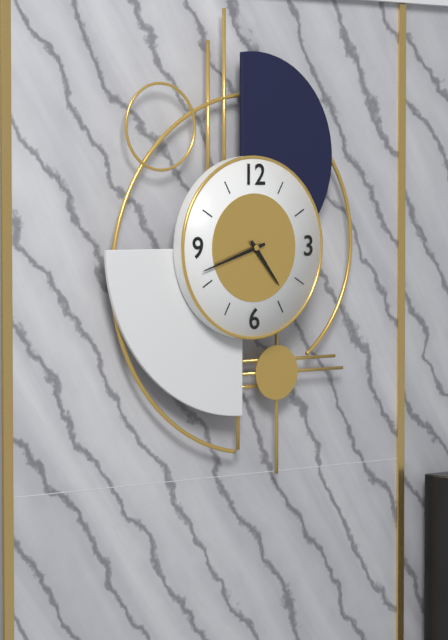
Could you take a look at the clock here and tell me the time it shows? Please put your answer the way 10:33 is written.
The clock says 4:42
